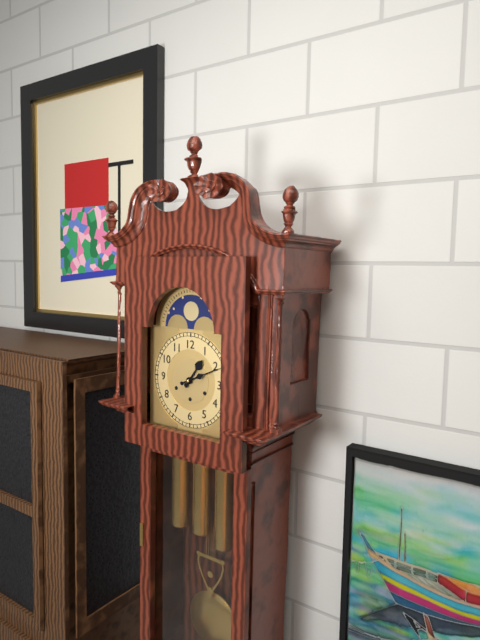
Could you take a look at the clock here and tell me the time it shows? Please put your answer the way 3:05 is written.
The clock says 1:11
